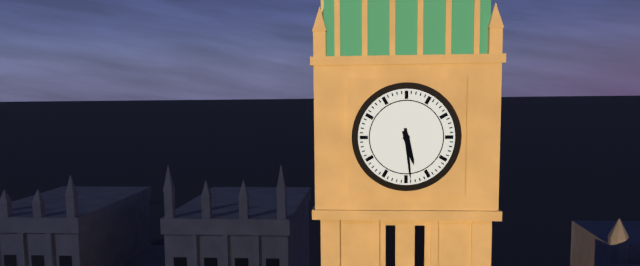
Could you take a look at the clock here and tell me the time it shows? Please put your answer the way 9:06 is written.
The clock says 5:29
